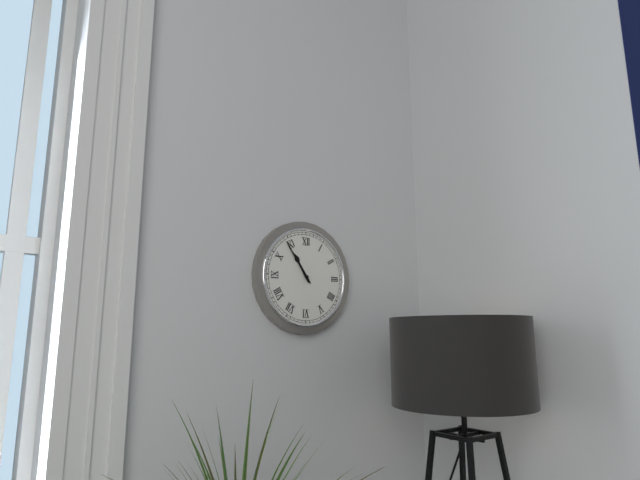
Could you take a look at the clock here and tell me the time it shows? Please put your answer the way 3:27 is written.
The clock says 10:54
